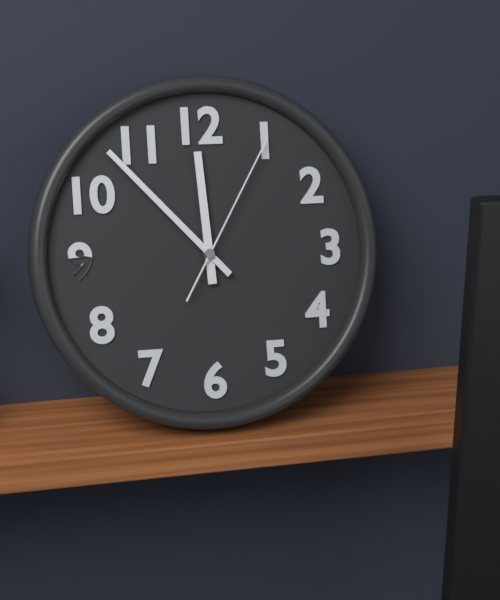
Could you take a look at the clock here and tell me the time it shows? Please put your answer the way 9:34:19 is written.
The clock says 11:53:05
